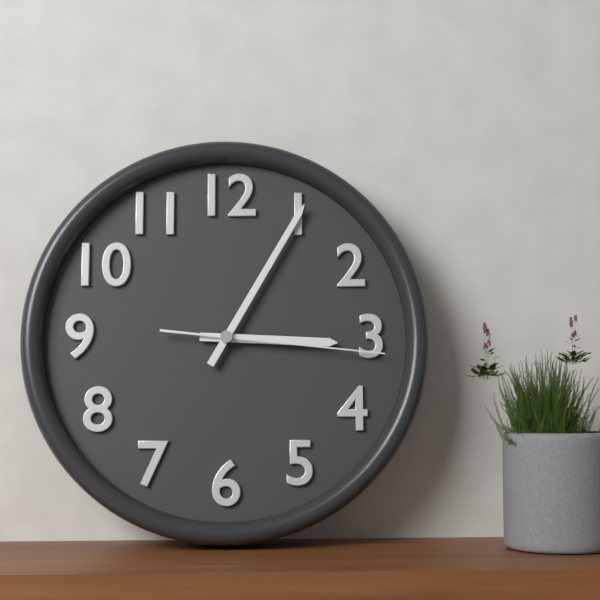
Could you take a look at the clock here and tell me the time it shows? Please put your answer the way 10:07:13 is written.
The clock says 3:05:16
